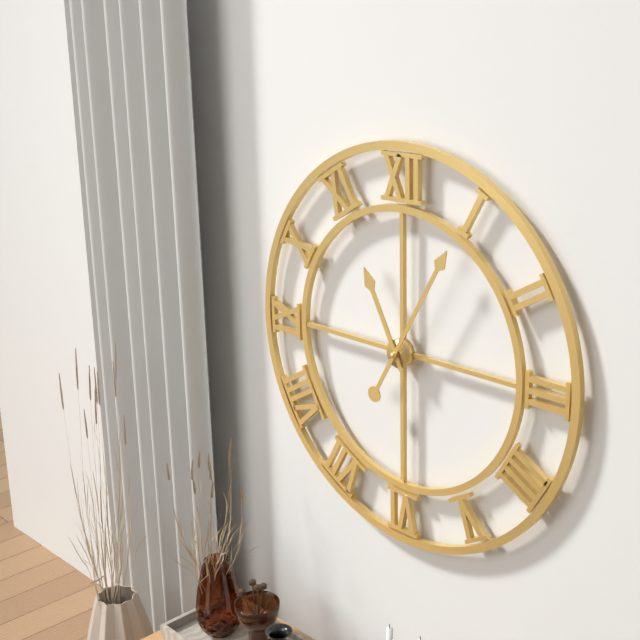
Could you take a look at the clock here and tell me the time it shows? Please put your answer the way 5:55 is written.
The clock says 11:05
